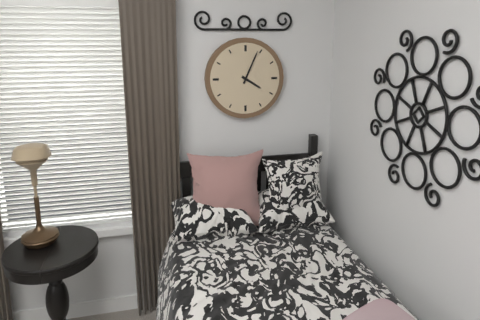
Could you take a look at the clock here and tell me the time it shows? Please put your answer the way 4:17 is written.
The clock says 4:04
